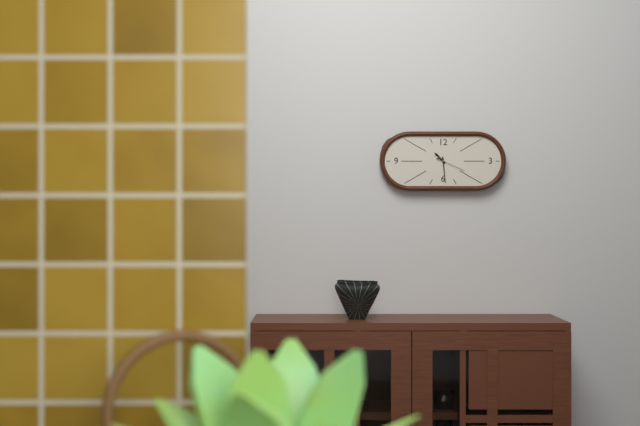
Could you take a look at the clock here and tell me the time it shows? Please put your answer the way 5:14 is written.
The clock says 10:29
